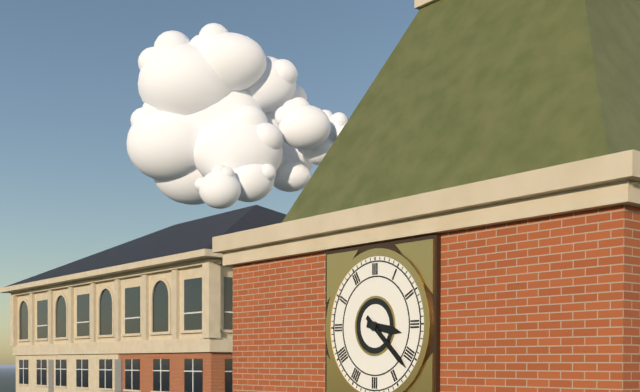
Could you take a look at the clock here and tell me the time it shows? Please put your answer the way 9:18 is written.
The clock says 3:22
